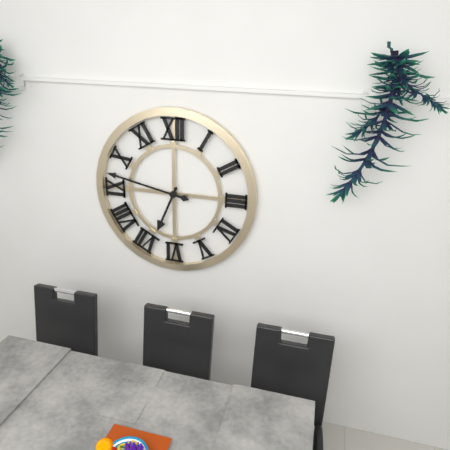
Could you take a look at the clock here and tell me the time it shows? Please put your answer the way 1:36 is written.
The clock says 6:47
